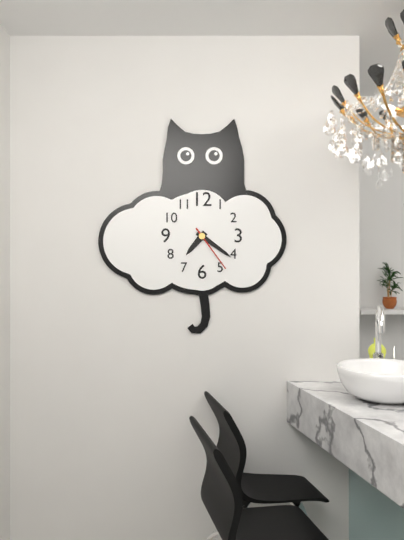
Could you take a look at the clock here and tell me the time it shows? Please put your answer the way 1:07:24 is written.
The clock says 7:21:24
